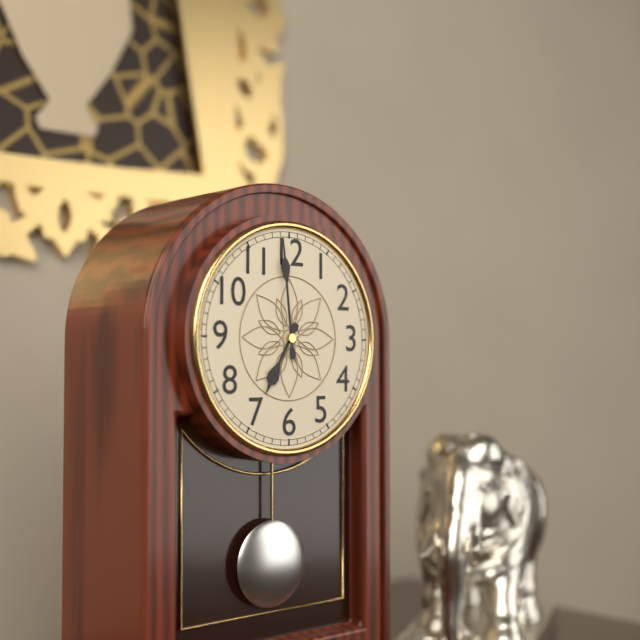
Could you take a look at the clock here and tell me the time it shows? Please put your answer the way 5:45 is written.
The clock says 6:59
